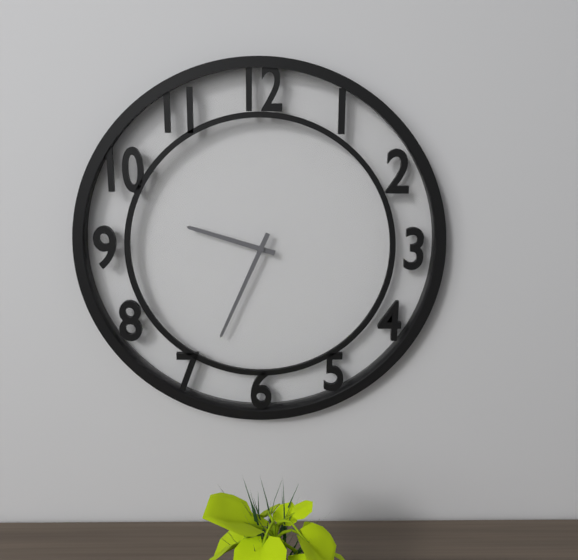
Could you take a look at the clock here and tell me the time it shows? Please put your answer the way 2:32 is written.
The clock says 9:34
